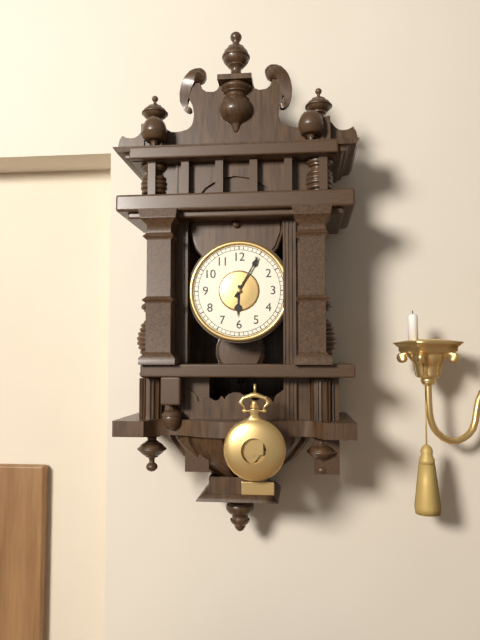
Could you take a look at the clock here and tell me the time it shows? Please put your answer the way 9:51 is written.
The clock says 6:05
